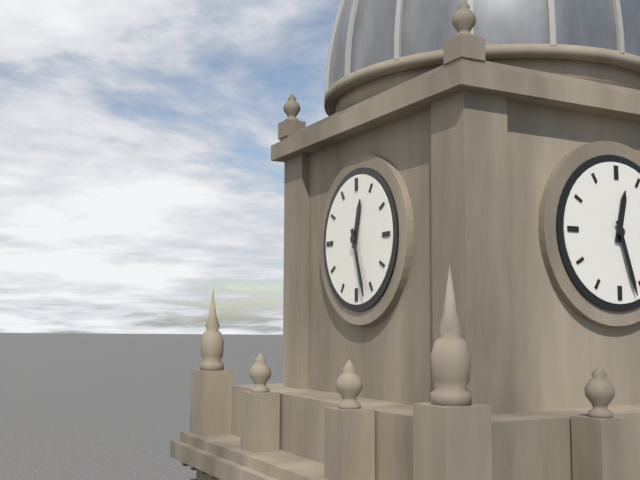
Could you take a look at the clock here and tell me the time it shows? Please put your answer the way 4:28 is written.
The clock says 12:27
